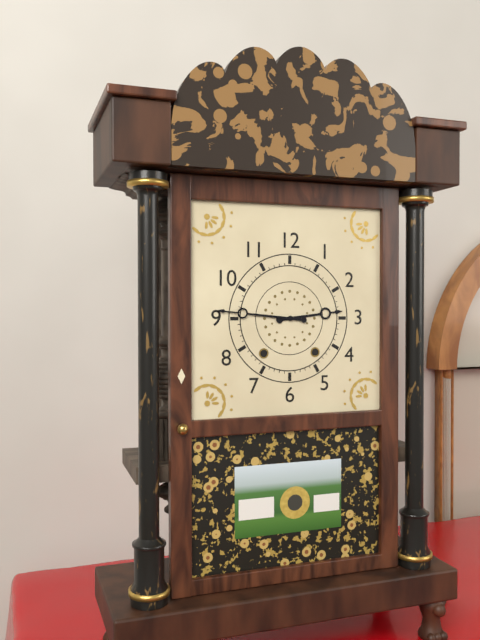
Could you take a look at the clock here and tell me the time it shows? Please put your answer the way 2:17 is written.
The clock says 2:46
